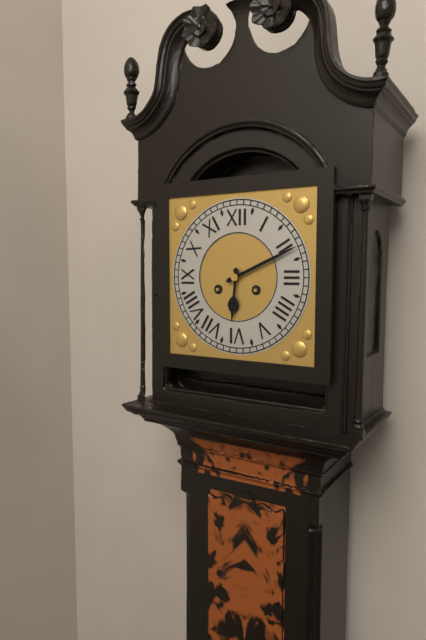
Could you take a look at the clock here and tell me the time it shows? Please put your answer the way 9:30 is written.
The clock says 6:11
